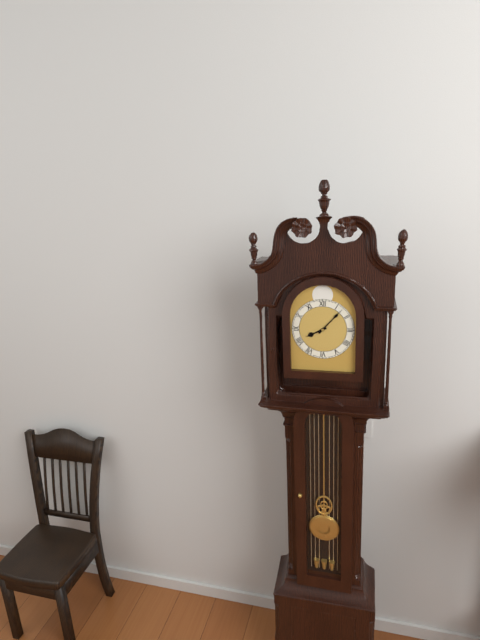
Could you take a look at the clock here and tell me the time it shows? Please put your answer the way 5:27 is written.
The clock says 8:07
